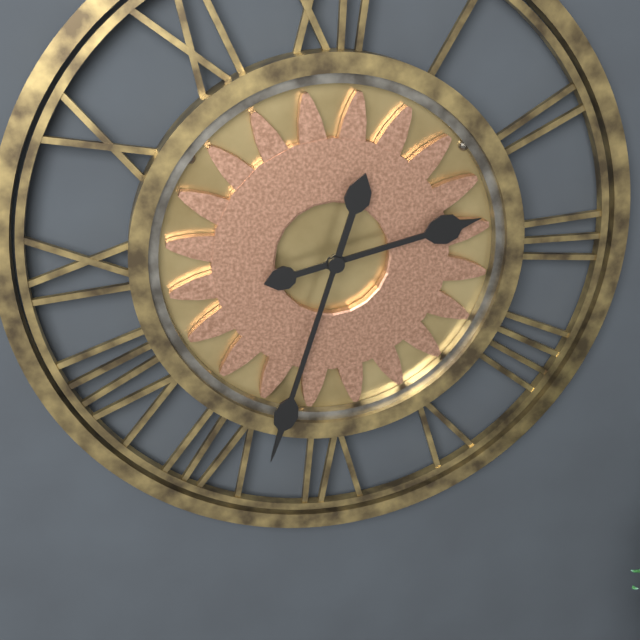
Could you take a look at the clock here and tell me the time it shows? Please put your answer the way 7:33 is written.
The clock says 2:33
